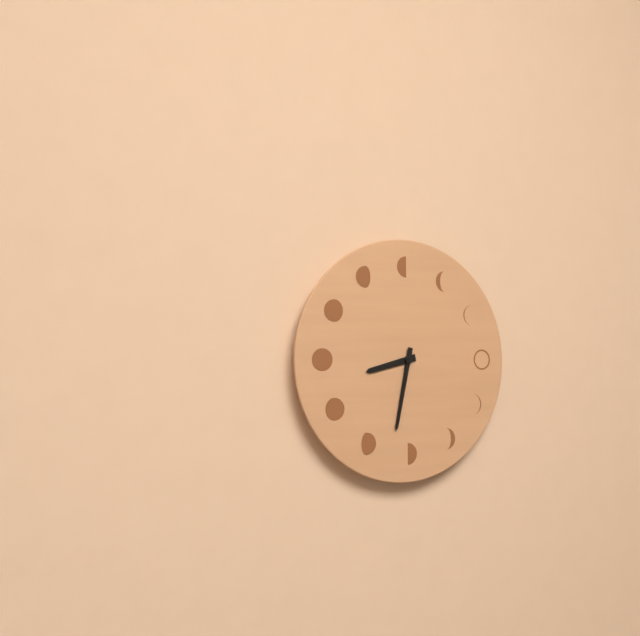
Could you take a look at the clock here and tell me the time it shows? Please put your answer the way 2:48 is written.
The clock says 8:32
